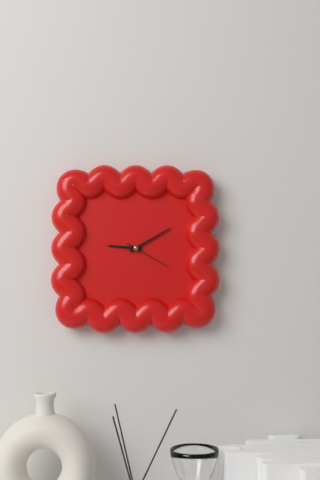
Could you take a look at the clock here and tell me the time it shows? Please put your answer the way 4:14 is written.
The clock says 9:10
